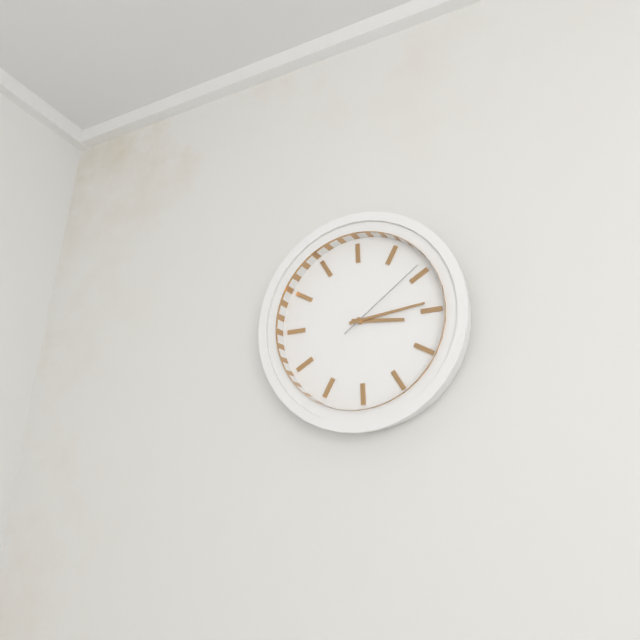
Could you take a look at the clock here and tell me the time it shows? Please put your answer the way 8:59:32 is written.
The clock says 3:14:09
